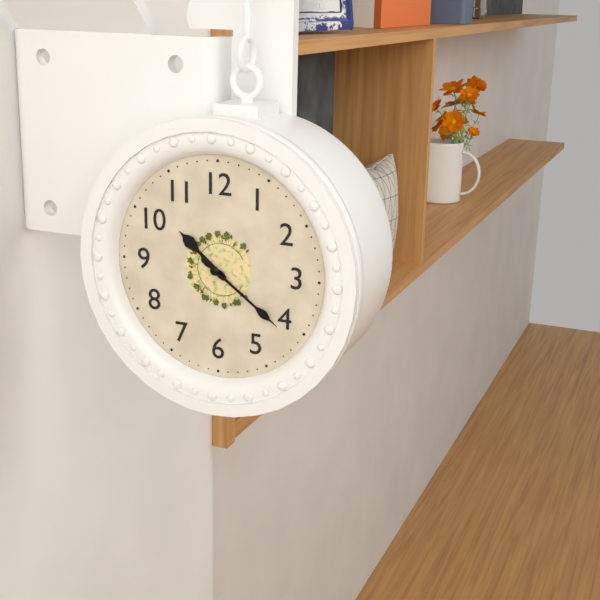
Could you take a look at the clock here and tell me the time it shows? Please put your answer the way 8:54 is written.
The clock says 10:21
